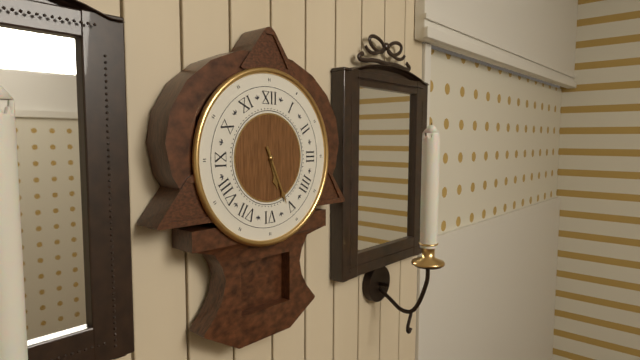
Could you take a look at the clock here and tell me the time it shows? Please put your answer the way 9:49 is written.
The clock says 5:26
